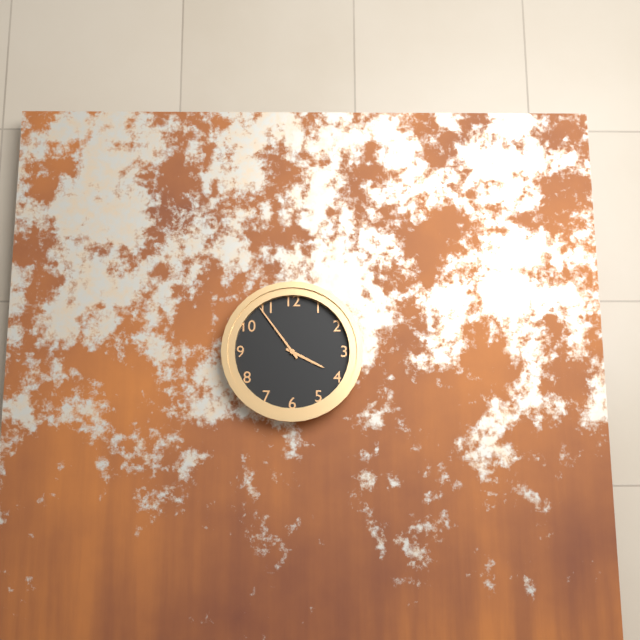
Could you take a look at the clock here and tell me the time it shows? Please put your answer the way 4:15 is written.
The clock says 3:54
